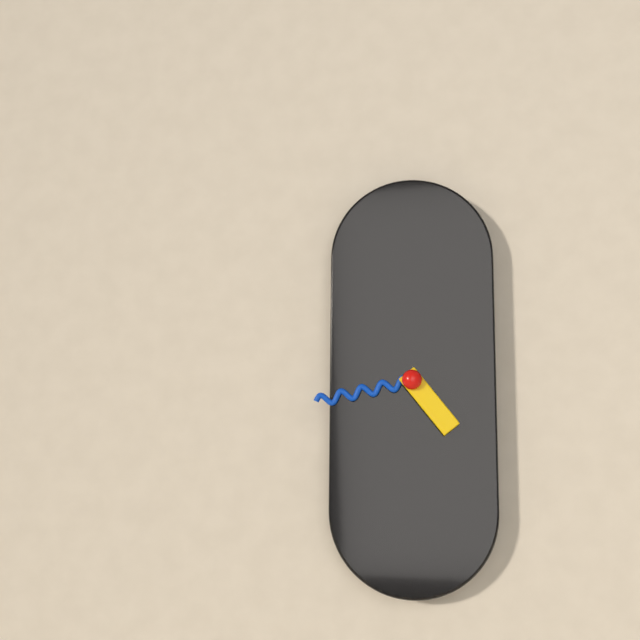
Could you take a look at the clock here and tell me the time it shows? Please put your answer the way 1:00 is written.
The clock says 4:43
